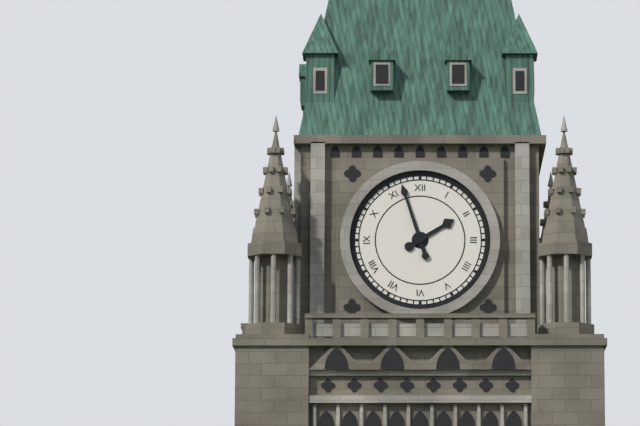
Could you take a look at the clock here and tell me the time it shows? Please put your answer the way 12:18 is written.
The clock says 1:57
